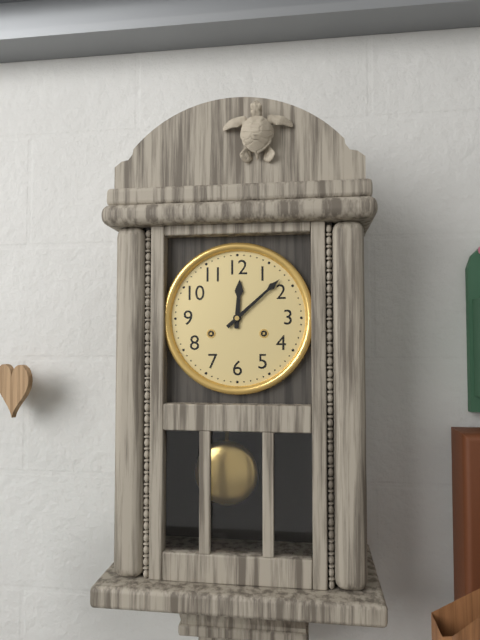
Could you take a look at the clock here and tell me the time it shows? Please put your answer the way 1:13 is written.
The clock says 12:08
